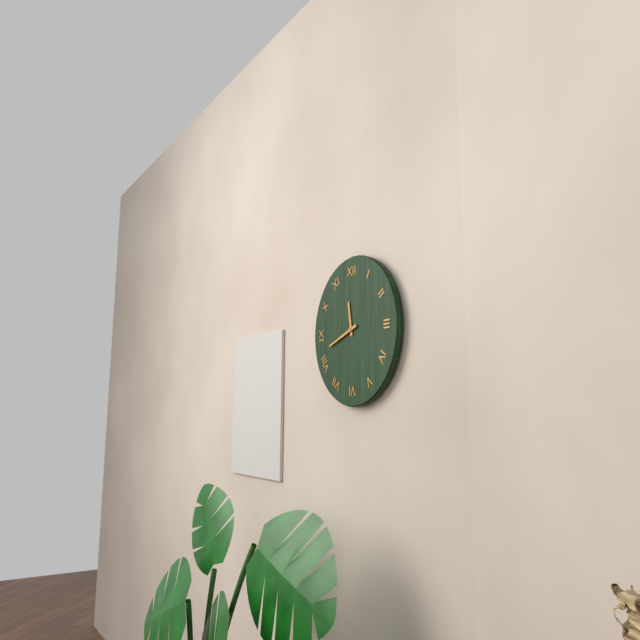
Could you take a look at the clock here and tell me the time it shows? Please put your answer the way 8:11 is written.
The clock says 11:42
